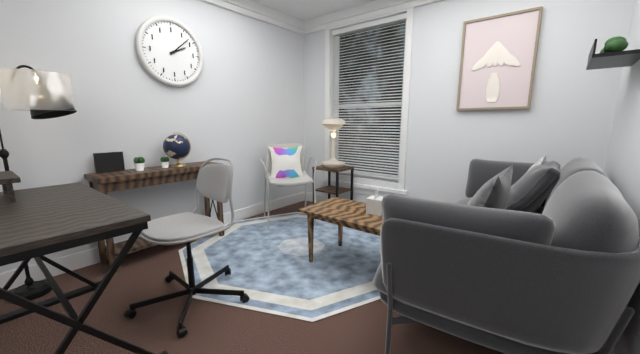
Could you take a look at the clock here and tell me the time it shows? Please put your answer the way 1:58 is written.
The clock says 2:08
